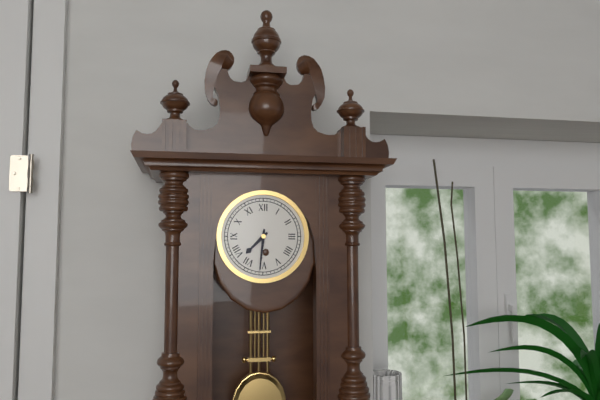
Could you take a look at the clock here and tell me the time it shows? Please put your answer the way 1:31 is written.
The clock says 7:31
